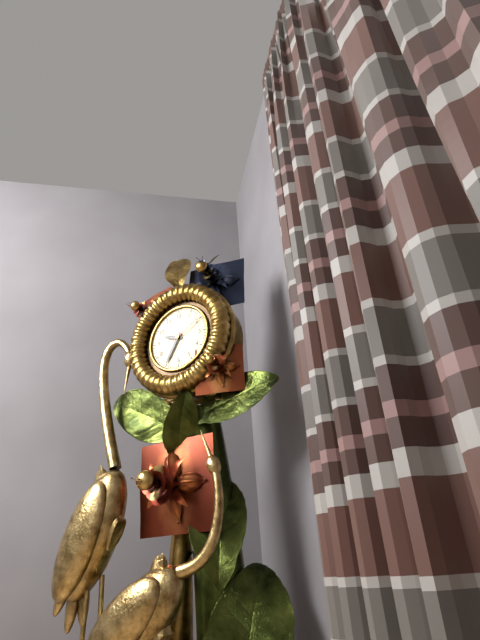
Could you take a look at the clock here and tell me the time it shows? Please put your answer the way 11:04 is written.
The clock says 9:35
